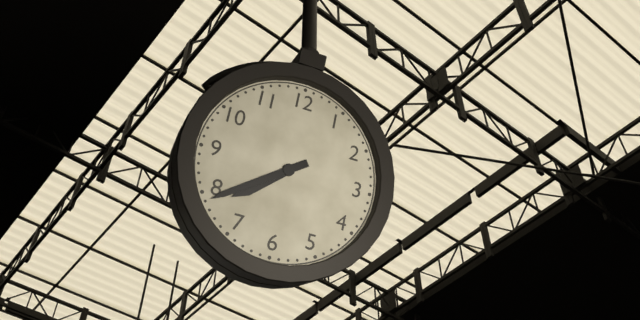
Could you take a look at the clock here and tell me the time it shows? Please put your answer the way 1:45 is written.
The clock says 7:39
